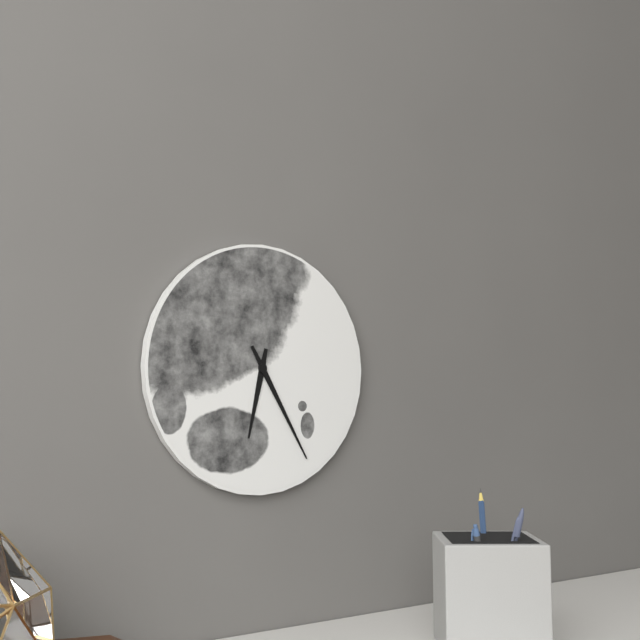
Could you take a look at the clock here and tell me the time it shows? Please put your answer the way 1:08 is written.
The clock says 6:25
